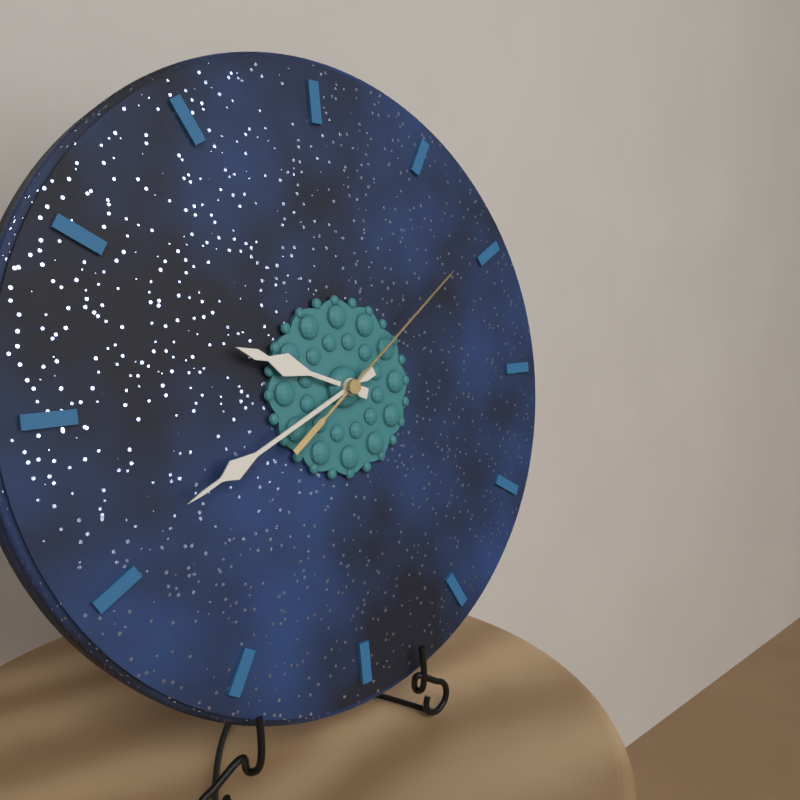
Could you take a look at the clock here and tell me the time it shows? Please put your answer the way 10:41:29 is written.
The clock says 9:41:09
